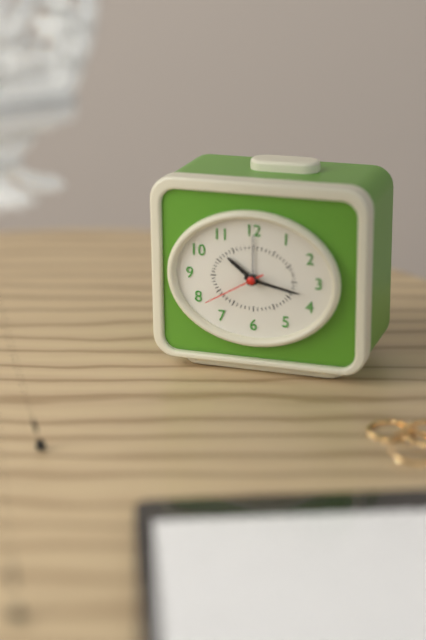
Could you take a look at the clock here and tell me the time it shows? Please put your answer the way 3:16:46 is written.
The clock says 10:17:40
